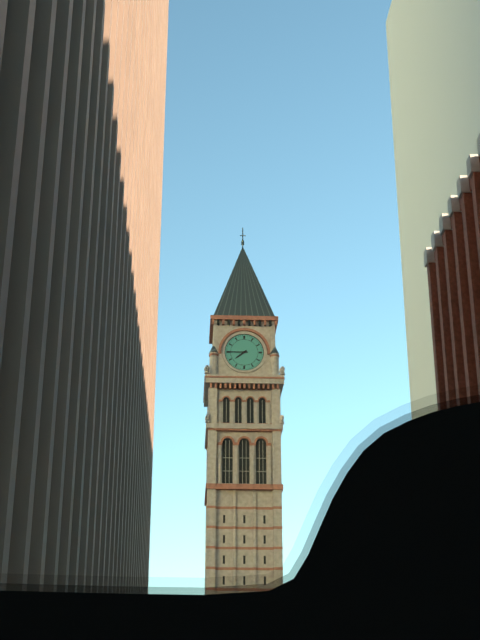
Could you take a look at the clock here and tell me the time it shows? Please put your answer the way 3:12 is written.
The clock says 7:45
